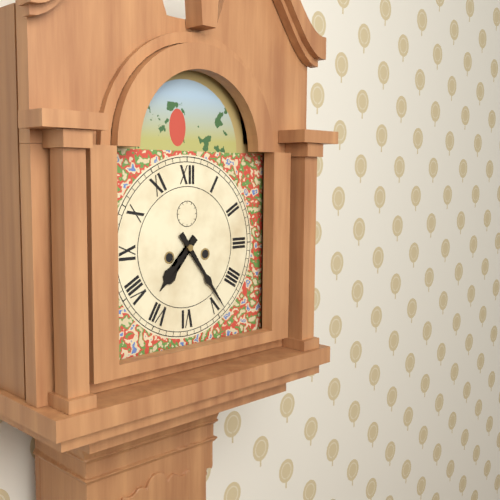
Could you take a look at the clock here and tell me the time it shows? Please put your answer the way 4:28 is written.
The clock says 7:24
